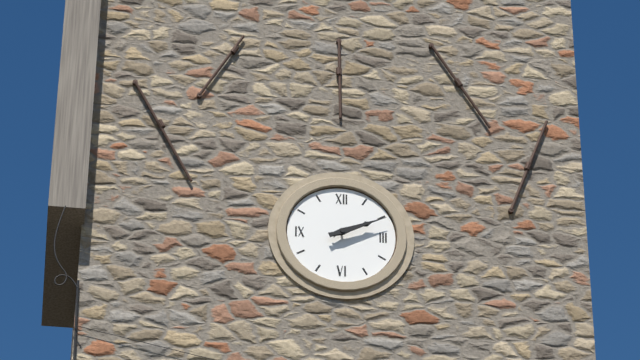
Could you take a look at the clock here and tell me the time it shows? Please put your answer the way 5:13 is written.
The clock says 2:11
